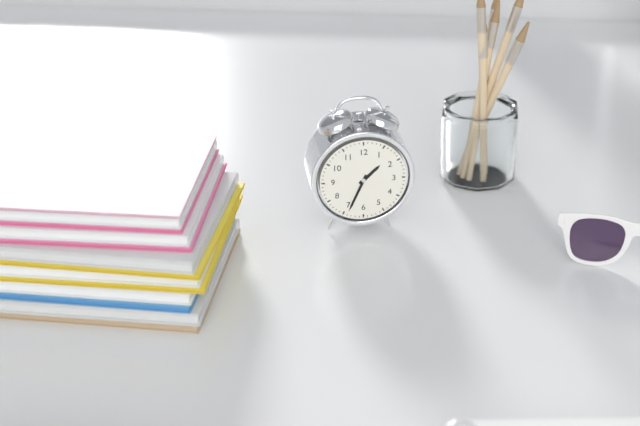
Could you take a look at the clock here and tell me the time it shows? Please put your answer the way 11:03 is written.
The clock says 1:34
